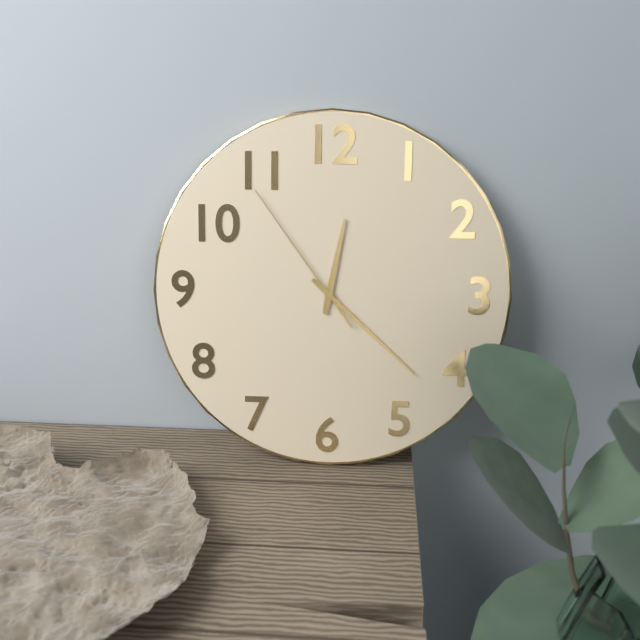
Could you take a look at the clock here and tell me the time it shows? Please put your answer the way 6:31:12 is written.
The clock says 12:22:54
